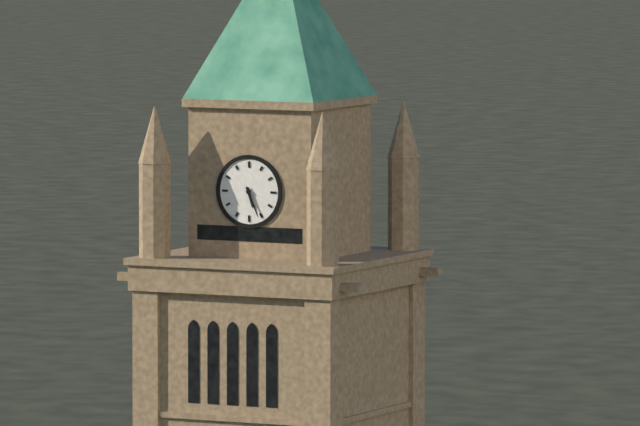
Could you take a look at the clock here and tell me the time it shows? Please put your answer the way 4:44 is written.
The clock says 5:26
